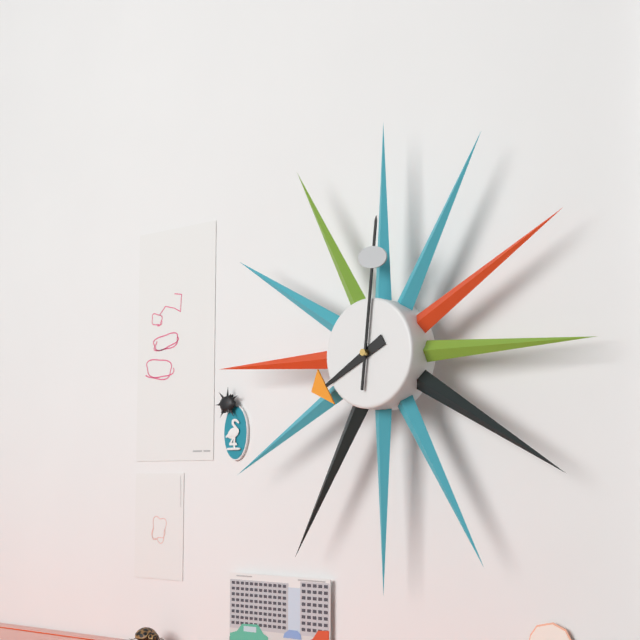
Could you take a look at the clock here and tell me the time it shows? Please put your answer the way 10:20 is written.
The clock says 8:01
